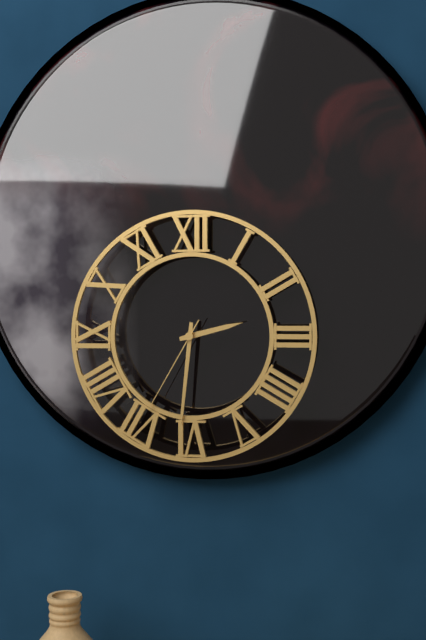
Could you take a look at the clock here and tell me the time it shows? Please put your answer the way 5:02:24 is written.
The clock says 2:31:35
